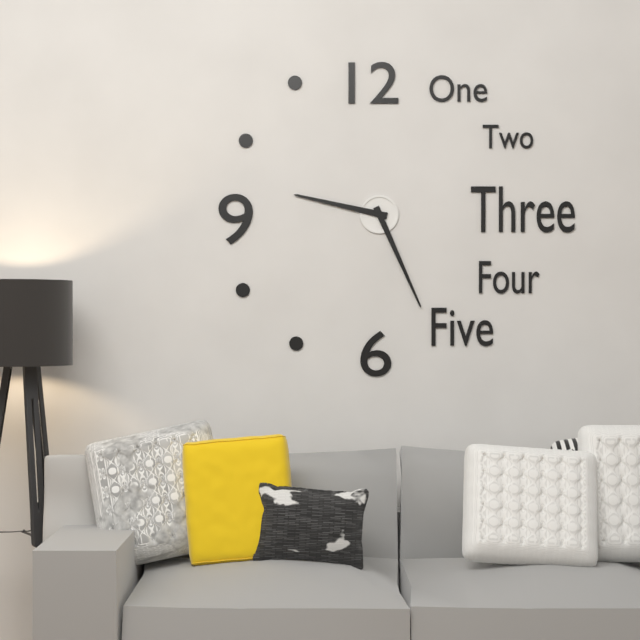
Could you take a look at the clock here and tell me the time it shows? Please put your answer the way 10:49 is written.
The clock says 9:26
